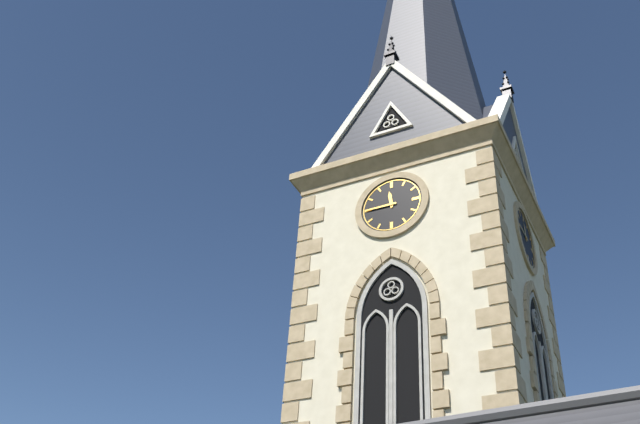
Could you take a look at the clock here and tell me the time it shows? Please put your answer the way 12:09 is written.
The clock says 11:45
